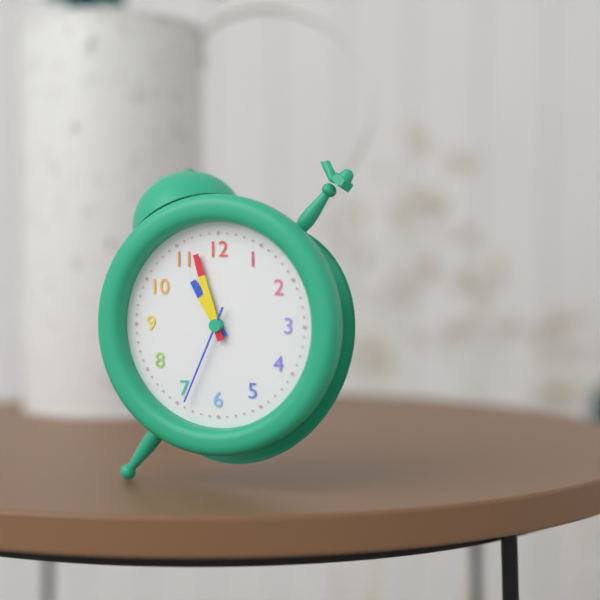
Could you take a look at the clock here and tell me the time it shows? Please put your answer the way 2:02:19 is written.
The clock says 10:57:34
